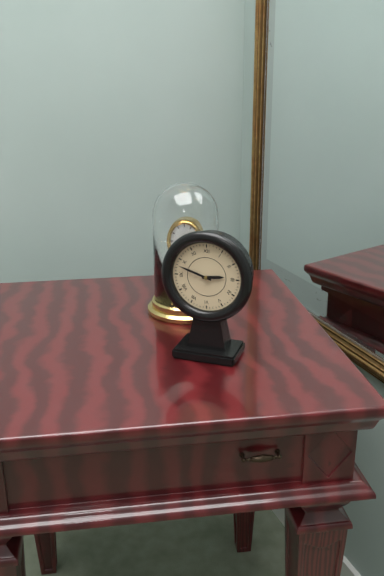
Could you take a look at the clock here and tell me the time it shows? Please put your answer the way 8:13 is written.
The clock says 2:48
